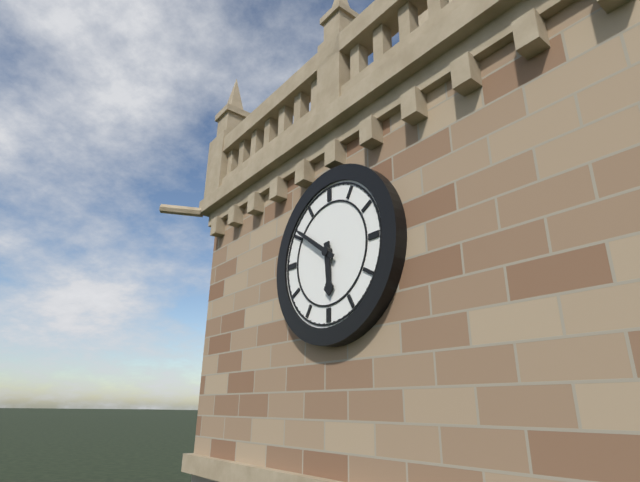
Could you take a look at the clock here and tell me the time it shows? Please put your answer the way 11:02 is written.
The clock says 5:51
